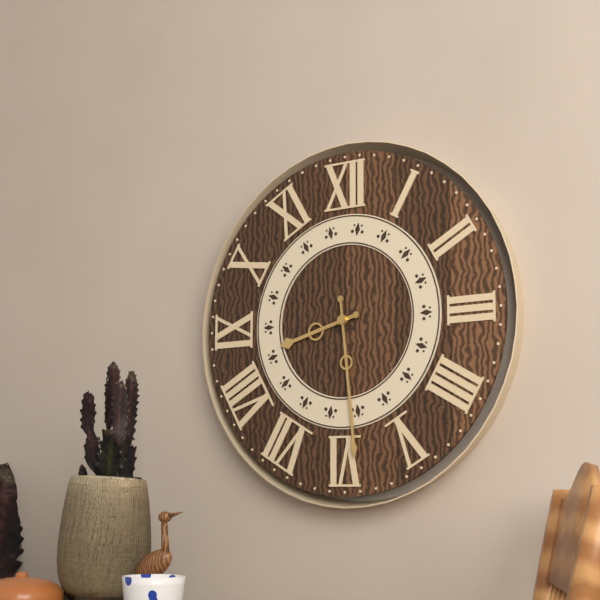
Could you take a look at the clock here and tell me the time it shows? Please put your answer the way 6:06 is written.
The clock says 8:29
